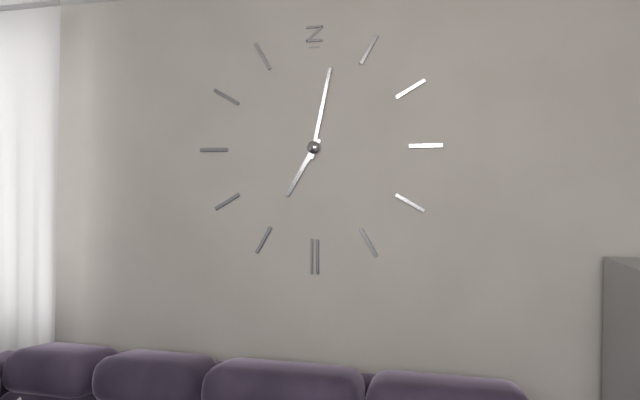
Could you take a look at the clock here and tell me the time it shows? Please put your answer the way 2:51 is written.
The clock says 7:02
